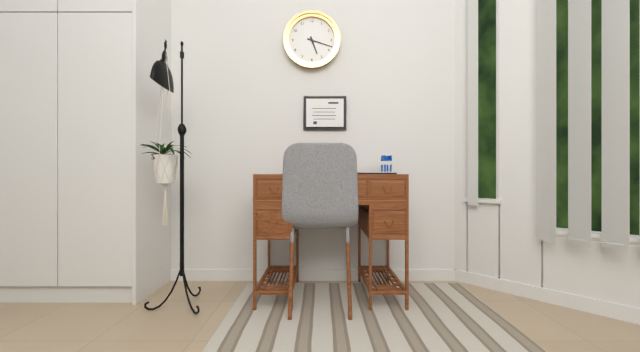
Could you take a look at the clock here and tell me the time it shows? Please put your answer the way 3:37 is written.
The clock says 5:18
